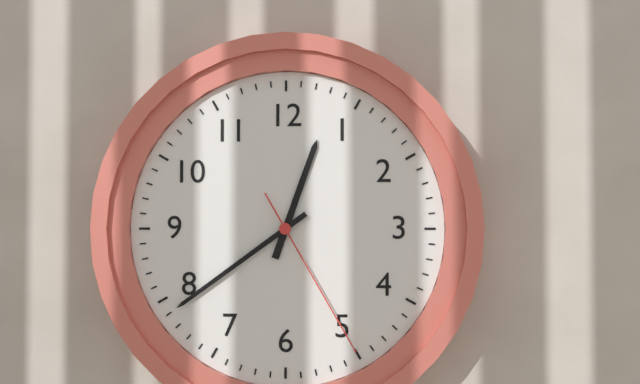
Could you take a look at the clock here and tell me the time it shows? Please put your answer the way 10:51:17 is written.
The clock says 12:39:25
